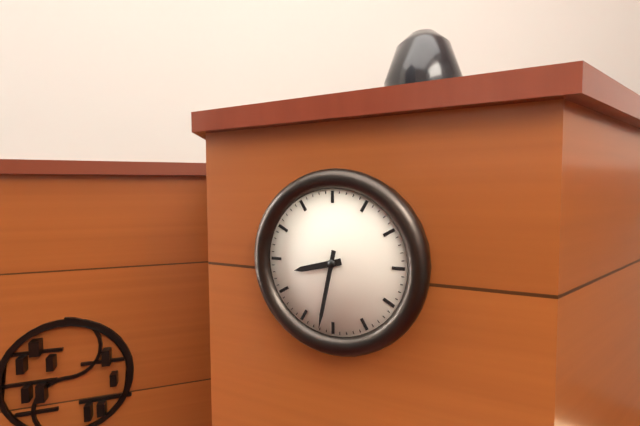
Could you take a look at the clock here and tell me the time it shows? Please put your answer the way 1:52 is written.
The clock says 8:32
